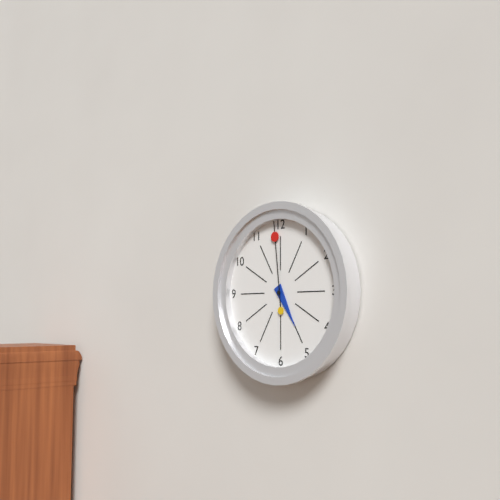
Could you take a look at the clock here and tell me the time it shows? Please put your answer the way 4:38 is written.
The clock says 4:59
